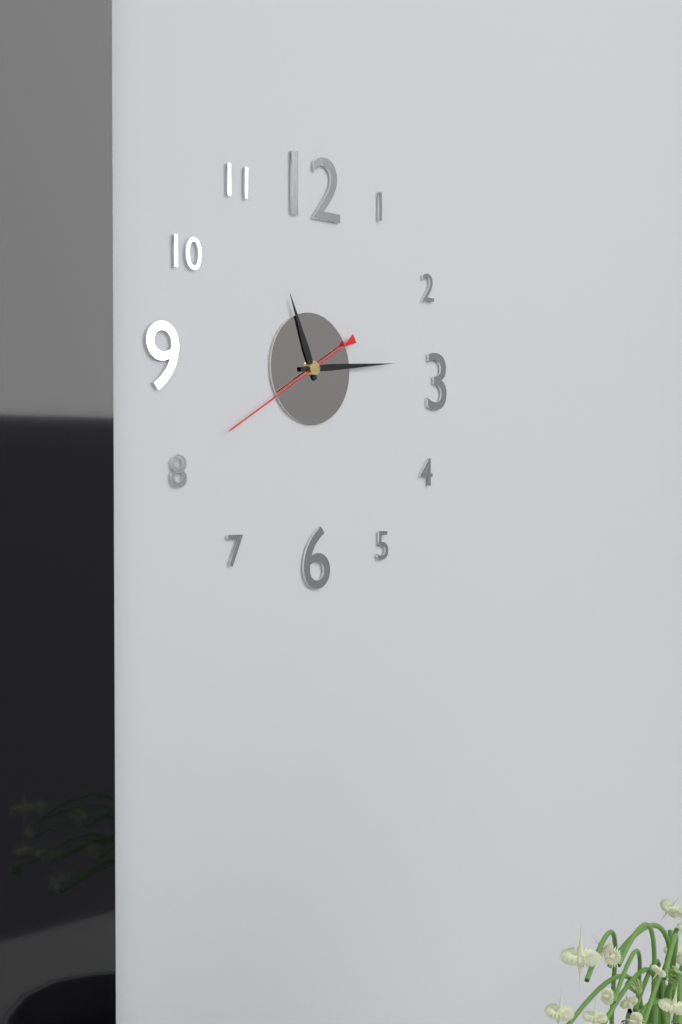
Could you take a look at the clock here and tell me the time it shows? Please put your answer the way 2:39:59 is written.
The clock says 11:14:40
